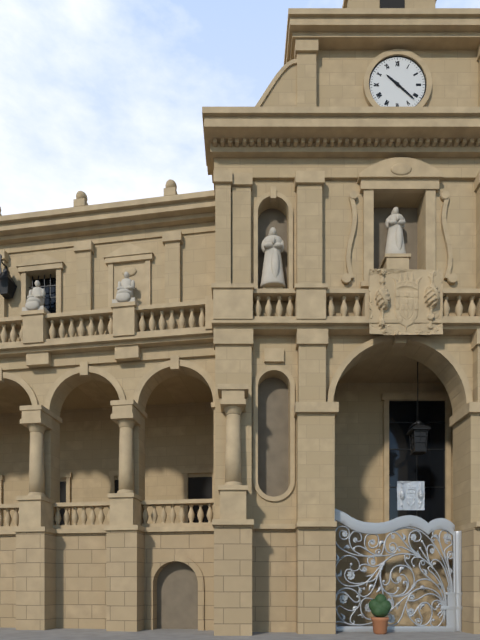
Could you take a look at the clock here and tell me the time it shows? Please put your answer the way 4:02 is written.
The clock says 10:22
